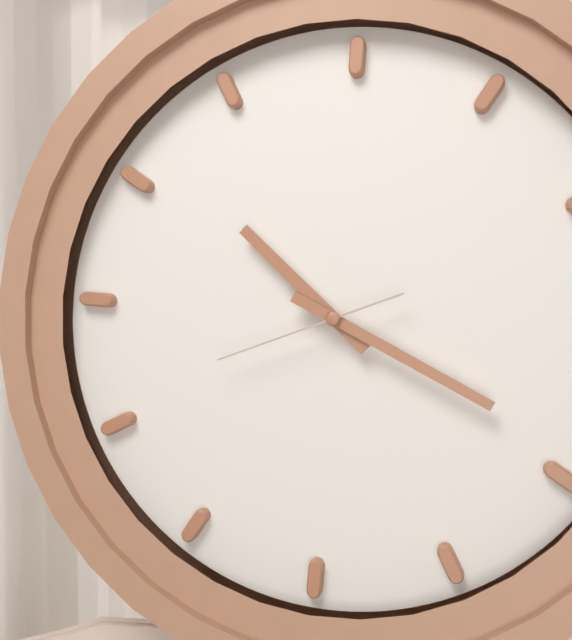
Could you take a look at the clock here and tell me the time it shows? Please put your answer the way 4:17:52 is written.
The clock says 10:19:41
